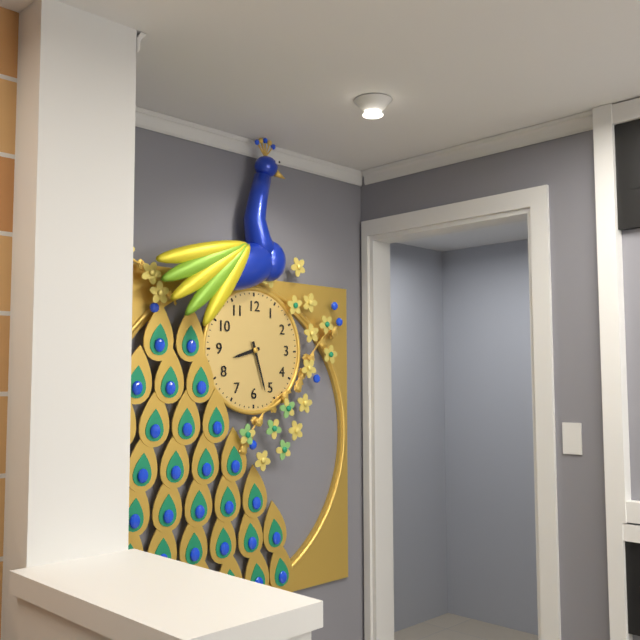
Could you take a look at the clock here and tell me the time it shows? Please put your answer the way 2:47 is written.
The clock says 8:27
